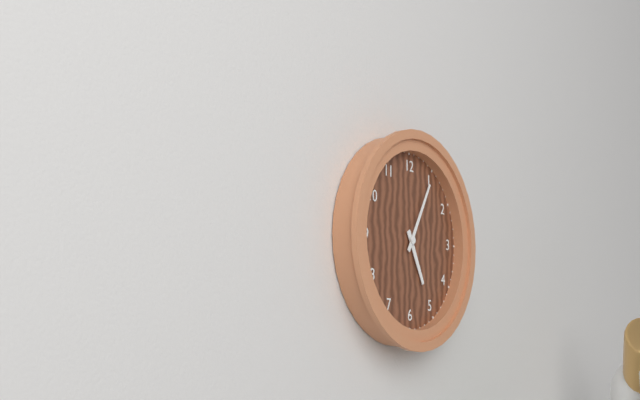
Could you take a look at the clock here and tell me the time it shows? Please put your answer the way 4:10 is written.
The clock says 5:05
